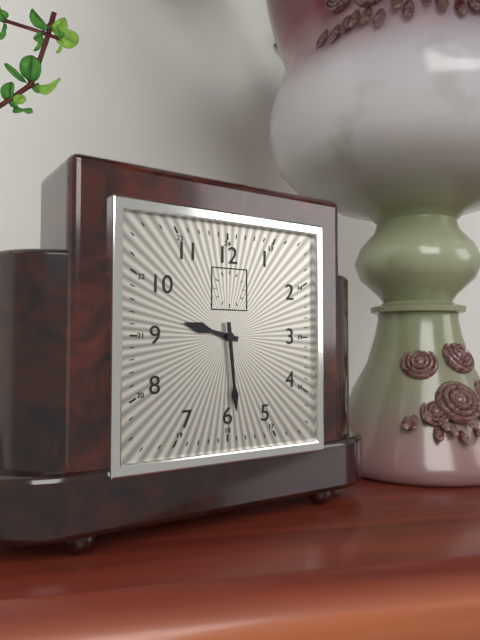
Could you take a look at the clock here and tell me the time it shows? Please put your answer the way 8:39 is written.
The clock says 9:29
